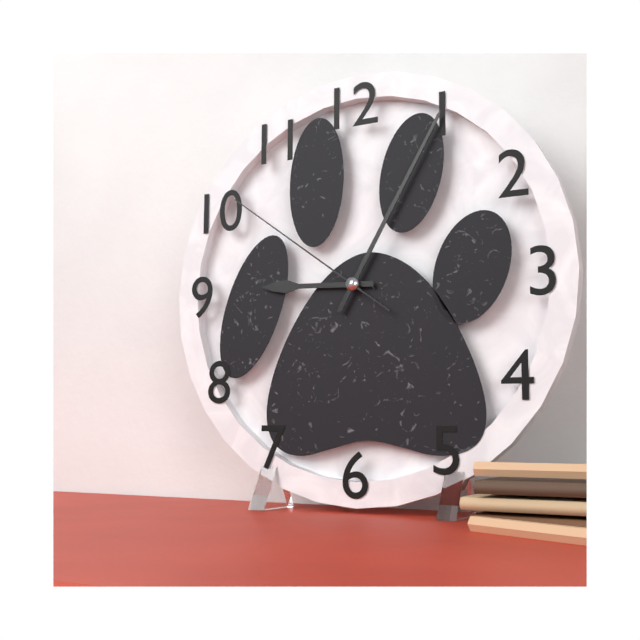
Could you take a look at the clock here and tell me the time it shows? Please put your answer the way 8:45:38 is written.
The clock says 9:05:51
